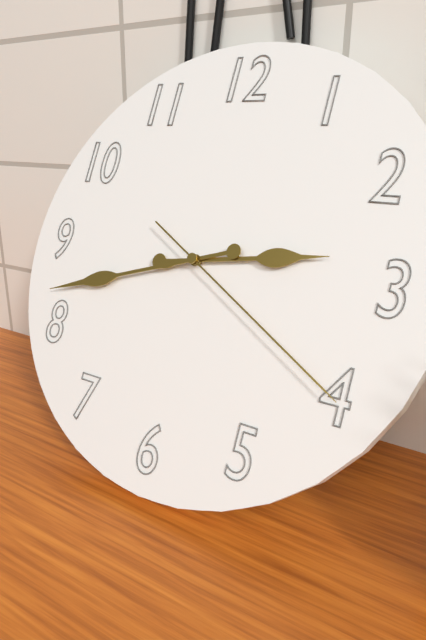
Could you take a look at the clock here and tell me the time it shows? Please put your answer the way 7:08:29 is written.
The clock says 2:42:20
